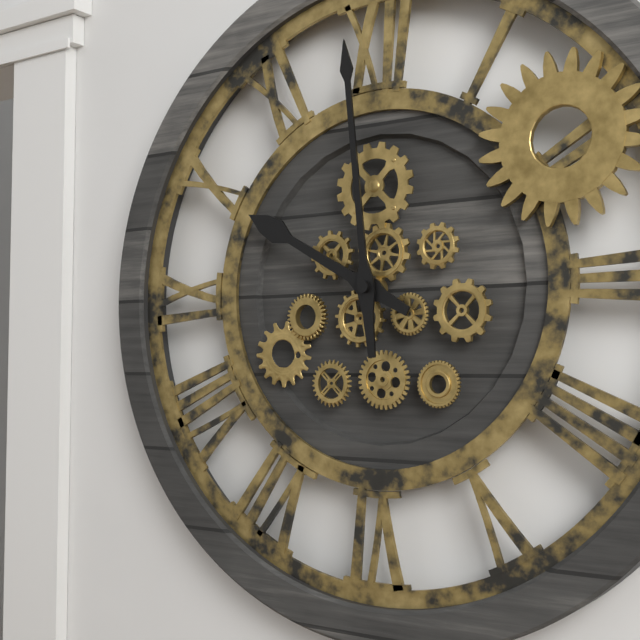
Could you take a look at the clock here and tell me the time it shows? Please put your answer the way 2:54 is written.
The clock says 9:59
